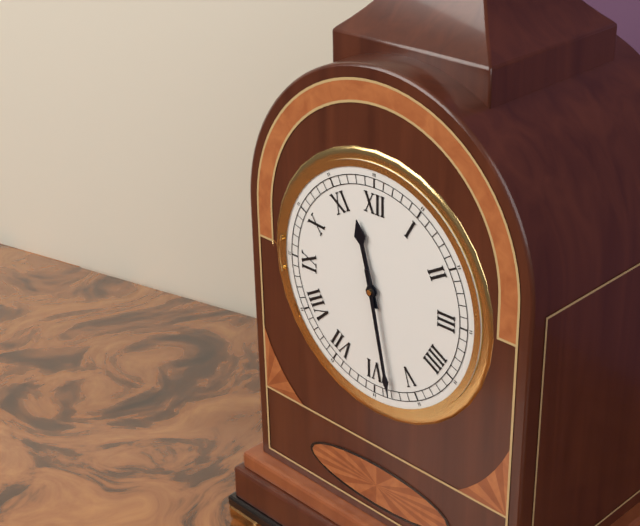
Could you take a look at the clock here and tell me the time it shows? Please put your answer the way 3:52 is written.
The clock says 11:28
